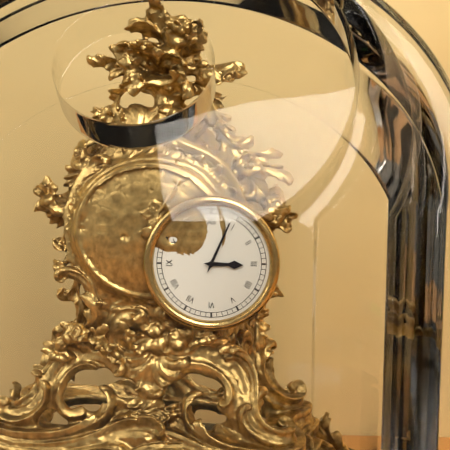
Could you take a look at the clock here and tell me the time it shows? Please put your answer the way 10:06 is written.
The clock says 3:04
